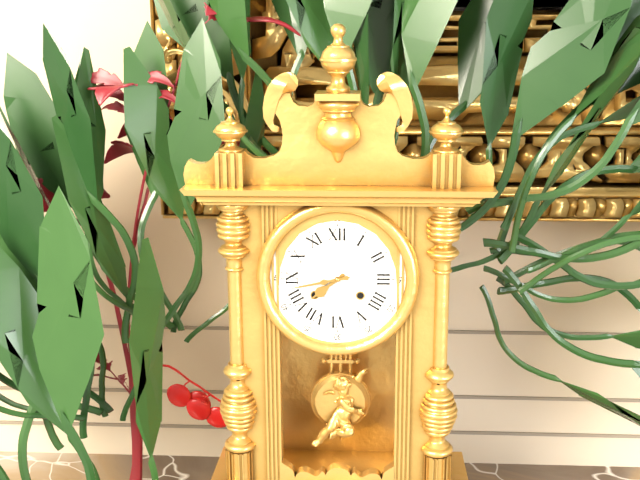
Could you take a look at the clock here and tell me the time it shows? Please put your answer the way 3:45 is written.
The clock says 7:43
